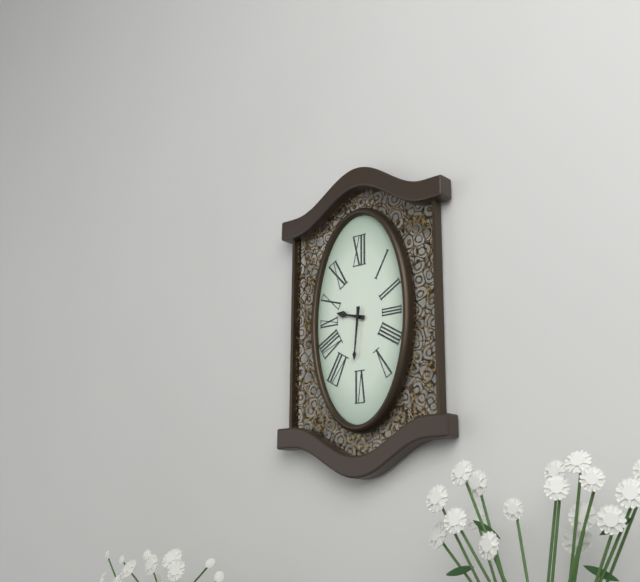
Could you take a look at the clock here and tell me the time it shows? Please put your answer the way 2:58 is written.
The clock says 9:31
